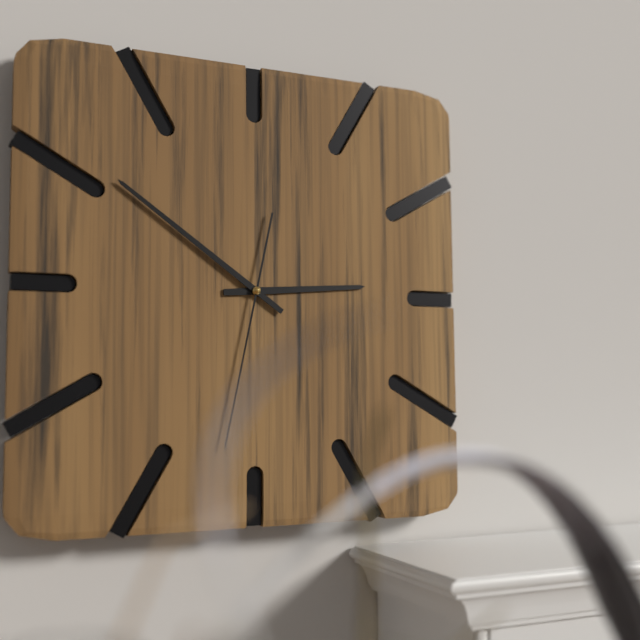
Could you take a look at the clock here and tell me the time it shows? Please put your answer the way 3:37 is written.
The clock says 2:51
